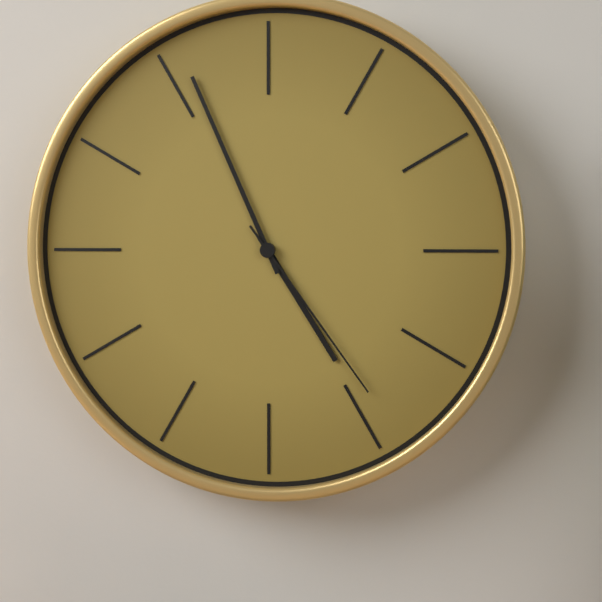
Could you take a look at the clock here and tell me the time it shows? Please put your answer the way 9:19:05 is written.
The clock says 4:56:24
